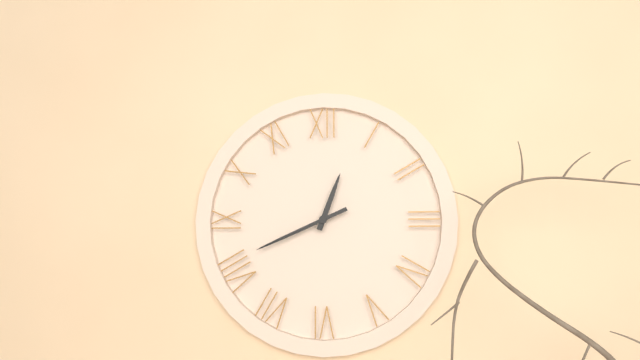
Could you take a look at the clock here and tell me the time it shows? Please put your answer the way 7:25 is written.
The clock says 12:41
